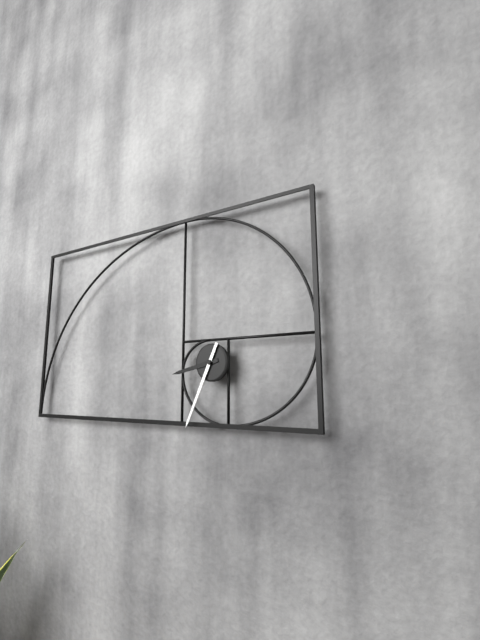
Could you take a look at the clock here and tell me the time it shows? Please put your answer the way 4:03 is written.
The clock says 8:34
